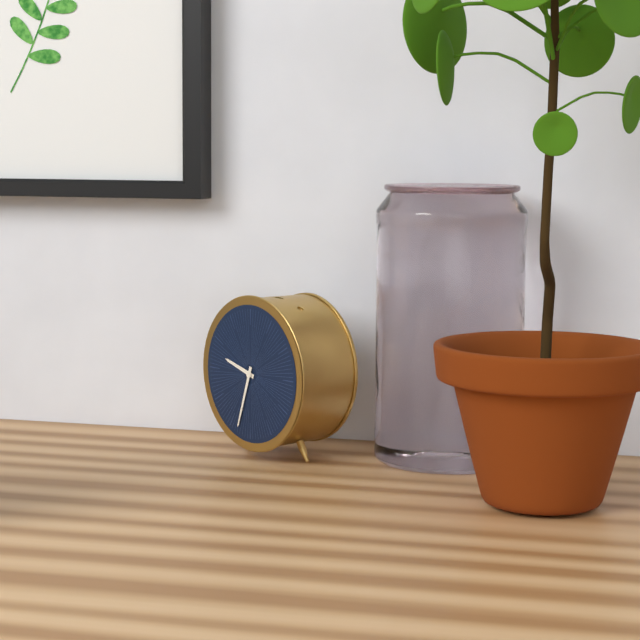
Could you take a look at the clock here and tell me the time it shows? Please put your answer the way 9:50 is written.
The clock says 9:33
